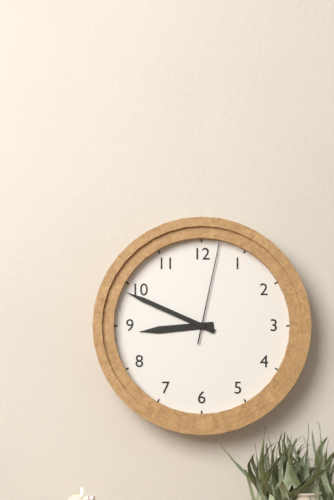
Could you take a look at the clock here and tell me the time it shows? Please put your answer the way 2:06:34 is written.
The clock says 8:49:02
